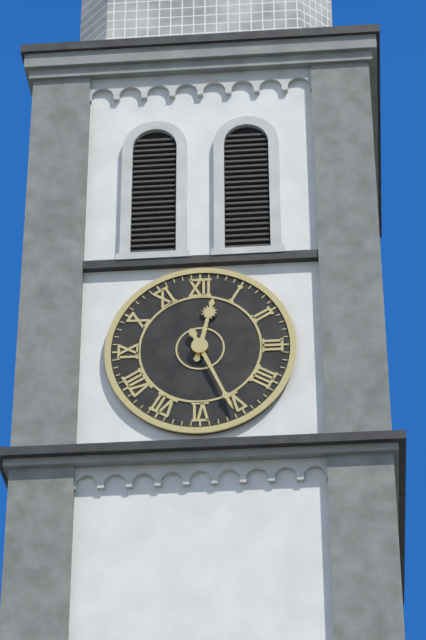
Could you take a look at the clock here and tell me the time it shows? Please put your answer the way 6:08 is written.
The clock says 12:26
